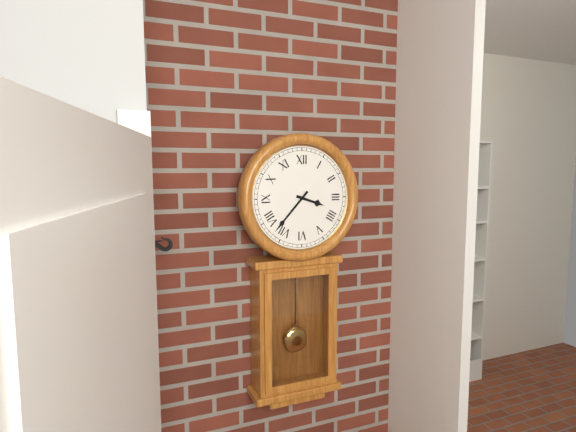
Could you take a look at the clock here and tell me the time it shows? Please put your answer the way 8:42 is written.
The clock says 3:37
